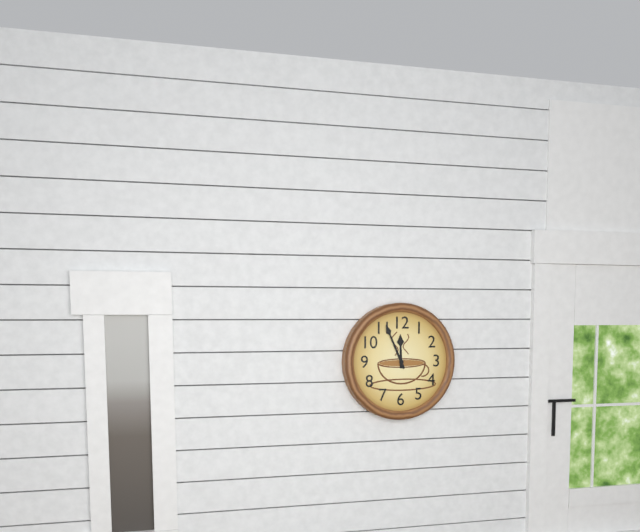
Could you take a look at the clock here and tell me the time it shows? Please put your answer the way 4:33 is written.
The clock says 11:56
